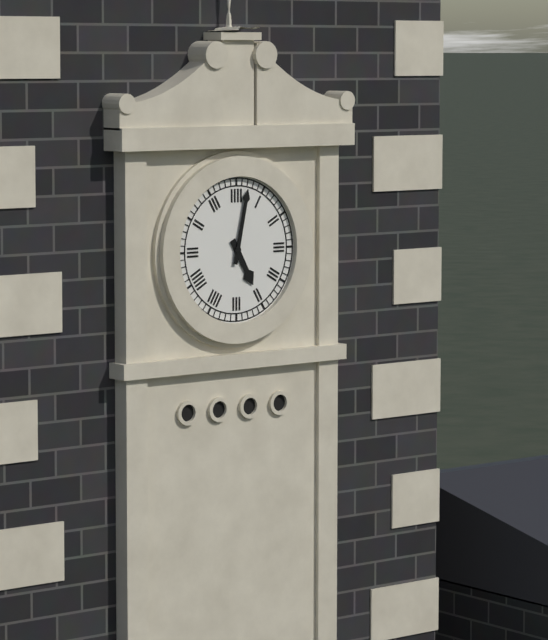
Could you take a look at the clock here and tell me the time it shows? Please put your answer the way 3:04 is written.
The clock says 5:02
